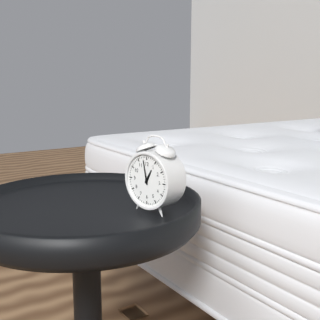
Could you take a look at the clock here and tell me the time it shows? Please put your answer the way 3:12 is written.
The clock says 12:58
